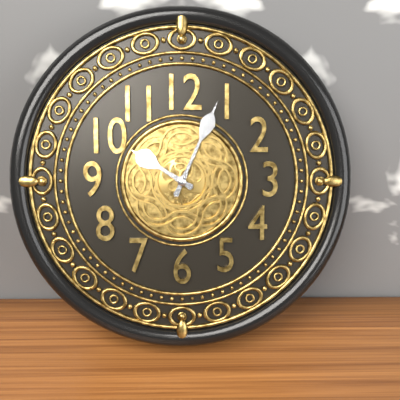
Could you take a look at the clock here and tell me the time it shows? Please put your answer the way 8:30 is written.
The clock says 10:04
